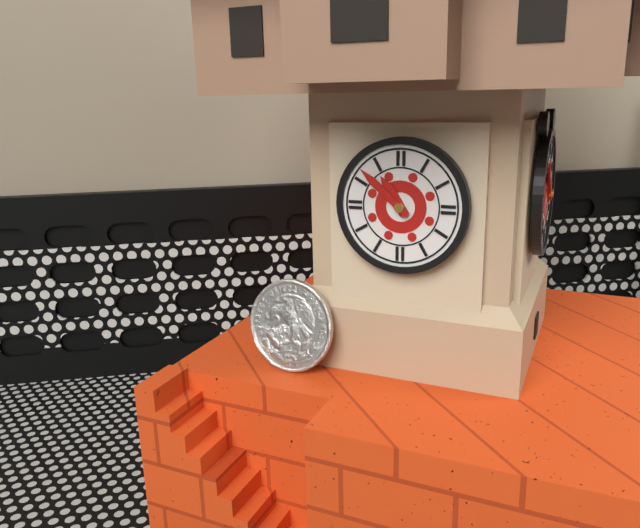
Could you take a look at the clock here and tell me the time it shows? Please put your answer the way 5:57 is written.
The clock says 10:52
